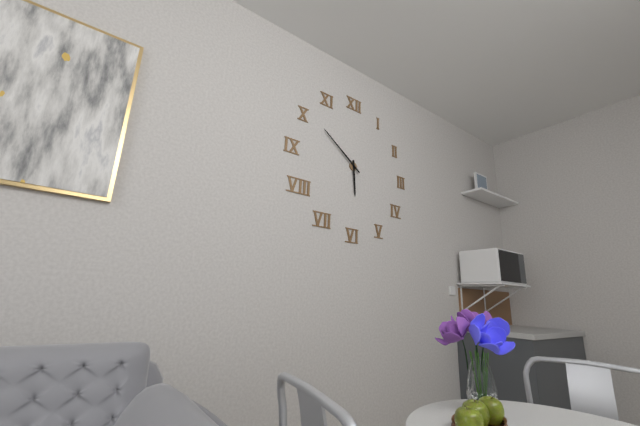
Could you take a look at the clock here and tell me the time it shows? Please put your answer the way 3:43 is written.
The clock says 5:51
